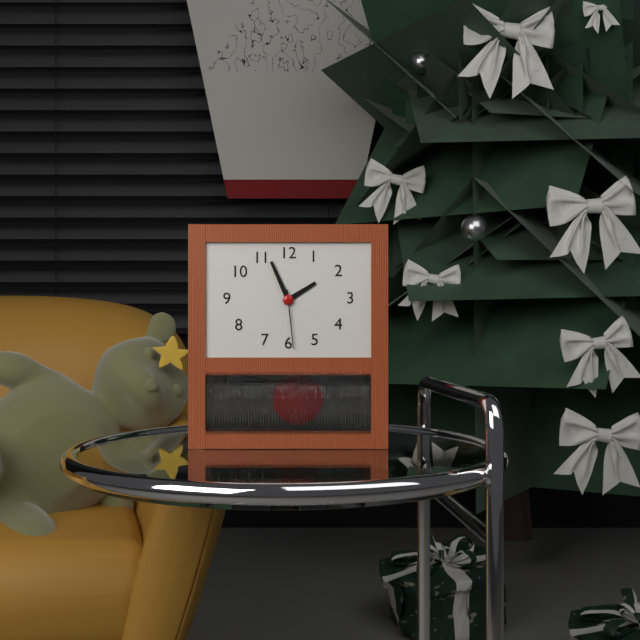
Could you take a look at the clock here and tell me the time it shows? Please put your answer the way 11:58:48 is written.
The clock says 1:56:29
